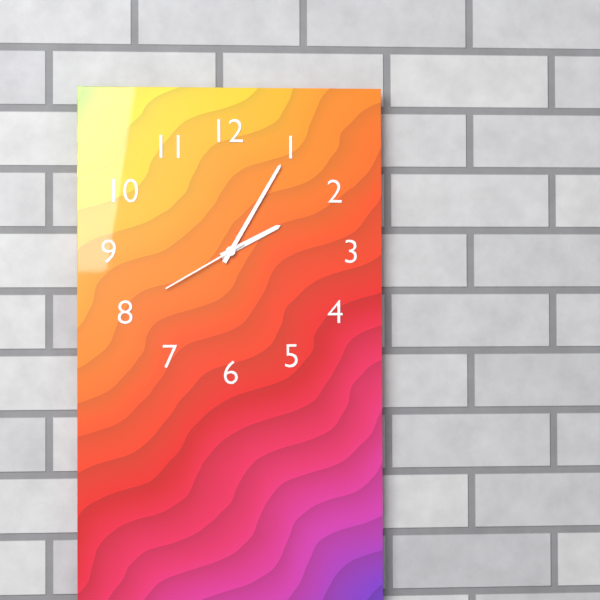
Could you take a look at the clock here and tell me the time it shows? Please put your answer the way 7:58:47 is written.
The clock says 2:05:40
